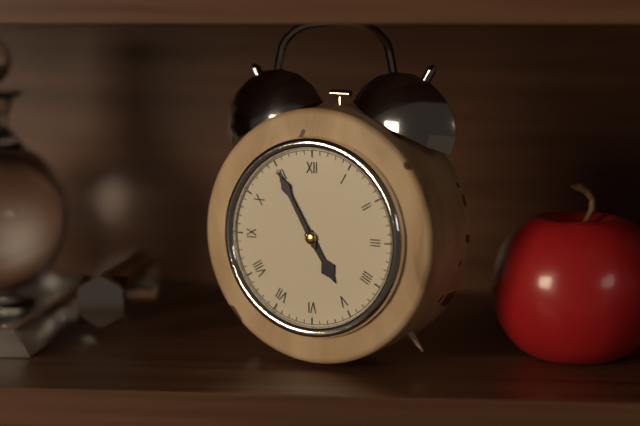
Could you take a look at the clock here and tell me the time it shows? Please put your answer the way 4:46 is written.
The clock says 4:55
